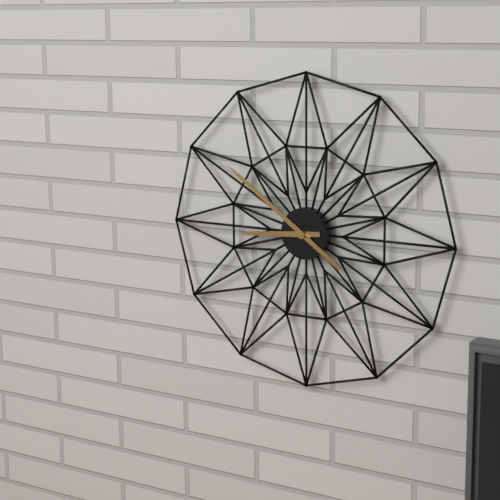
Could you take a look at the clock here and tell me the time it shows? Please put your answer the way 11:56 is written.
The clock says 8:51
